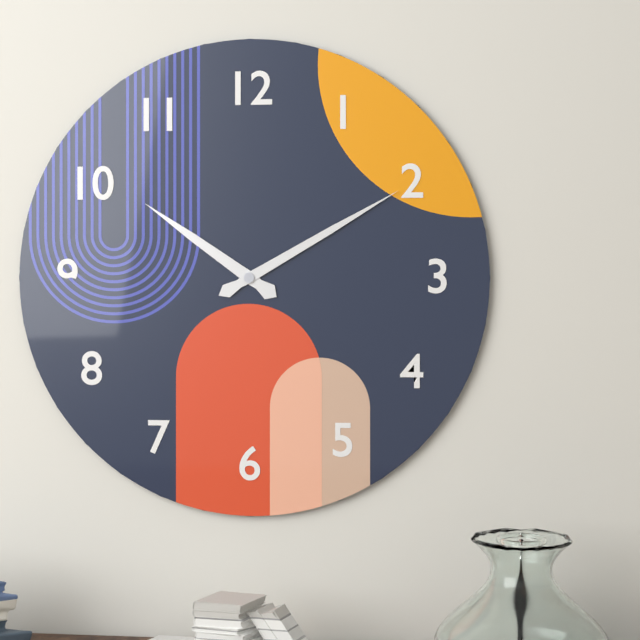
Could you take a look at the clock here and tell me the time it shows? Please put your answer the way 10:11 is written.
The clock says 10:10
